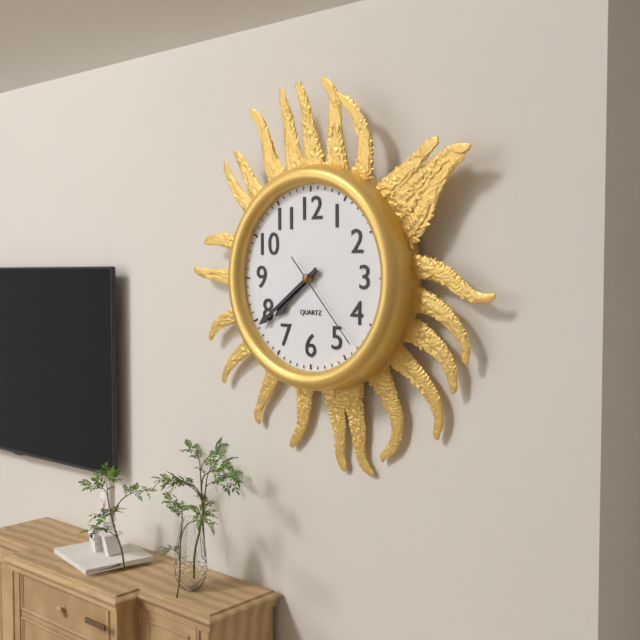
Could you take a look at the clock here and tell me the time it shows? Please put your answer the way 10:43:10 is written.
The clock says 7:39:23
